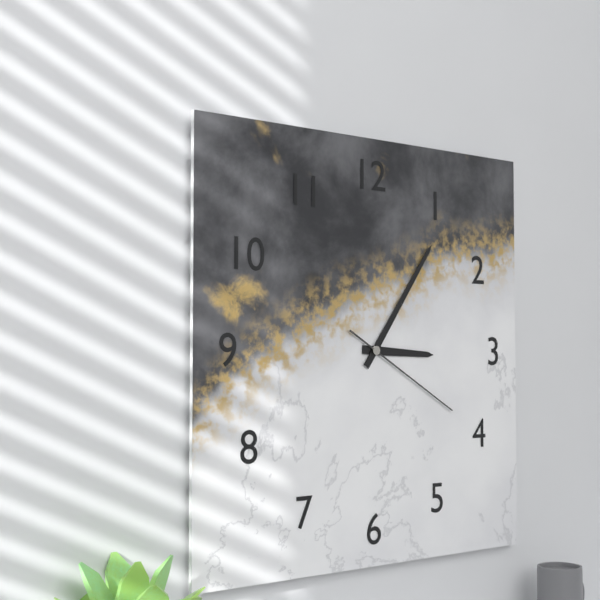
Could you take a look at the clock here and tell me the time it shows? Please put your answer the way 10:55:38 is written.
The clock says 3:06:20
